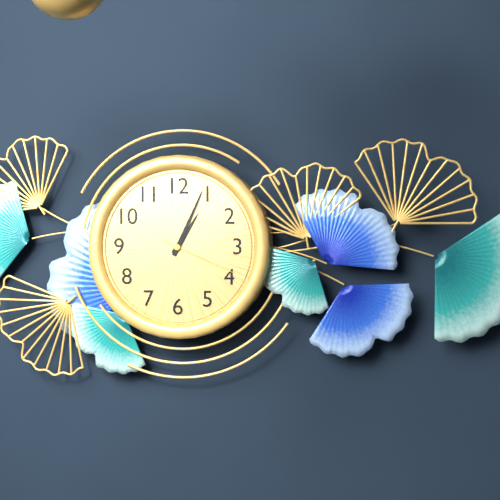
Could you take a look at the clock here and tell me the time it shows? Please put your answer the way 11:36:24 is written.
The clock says 1:04:19
